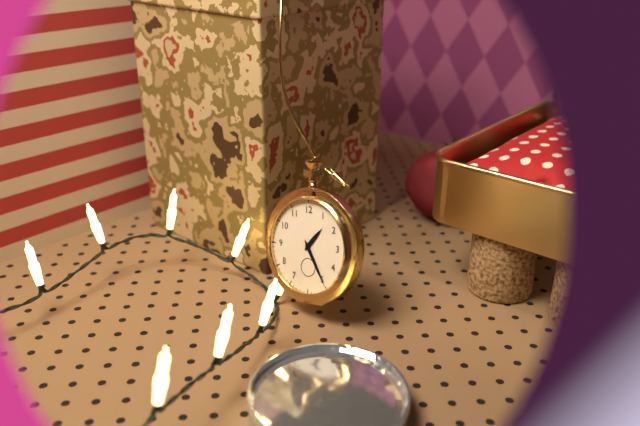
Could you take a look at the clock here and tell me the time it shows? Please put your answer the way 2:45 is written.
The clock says 1:25
